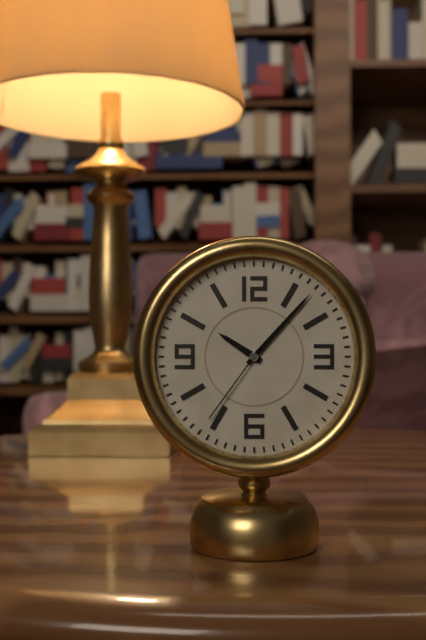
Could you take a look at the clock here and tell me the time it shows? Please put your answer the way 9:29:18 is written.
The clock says 10:07:36
